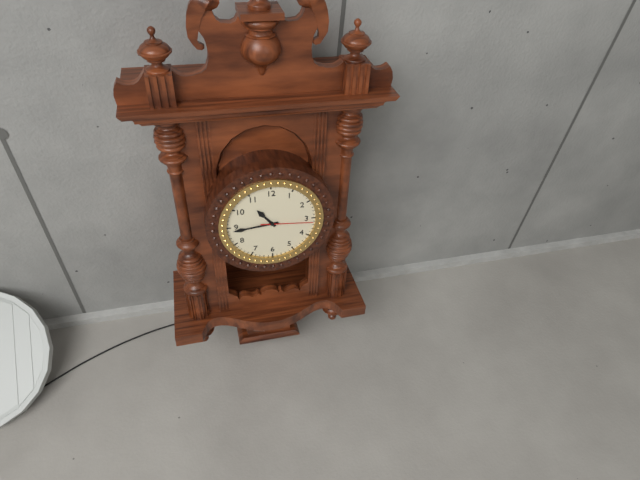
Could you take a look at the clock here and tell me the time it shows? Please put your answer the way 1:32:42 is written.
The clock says 10:44:16
